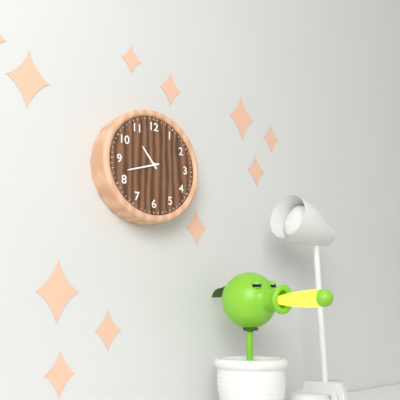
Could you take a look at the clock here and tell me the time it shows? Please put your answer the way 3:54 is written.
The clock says 10:42
